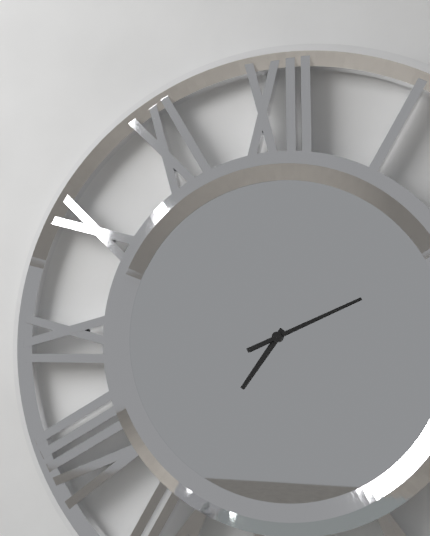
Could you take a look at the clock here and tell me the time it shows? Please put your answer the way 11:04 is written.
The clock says 7:11
